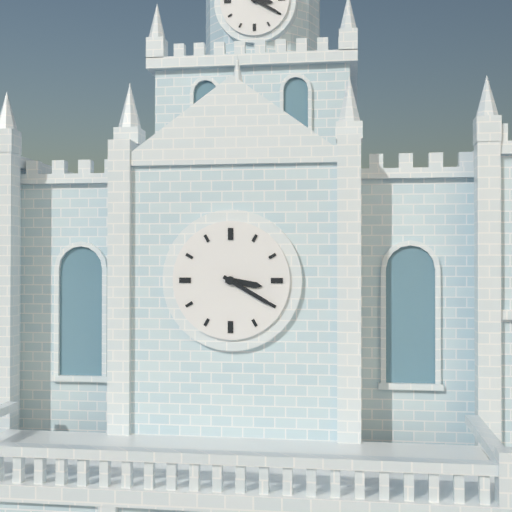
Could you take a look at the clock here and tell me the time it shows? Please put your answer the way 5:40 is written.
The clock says 3:20
